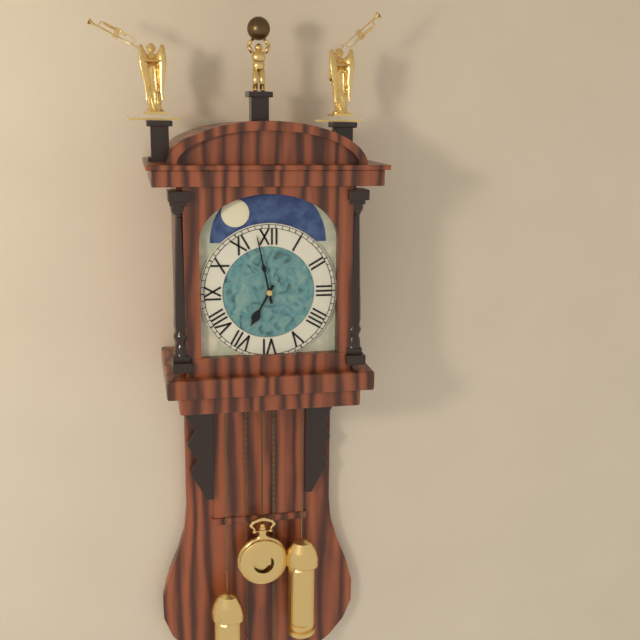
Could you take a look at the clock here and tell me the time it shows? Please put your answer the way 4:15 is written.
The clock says 6:58
